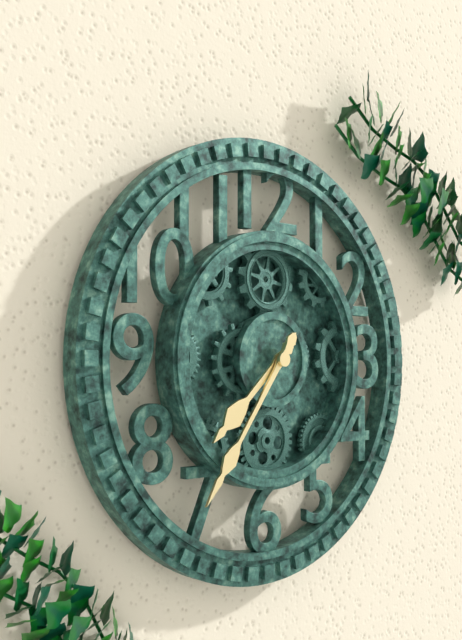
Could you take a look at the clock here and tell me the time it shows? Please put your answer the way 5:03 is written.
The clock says 7:36
